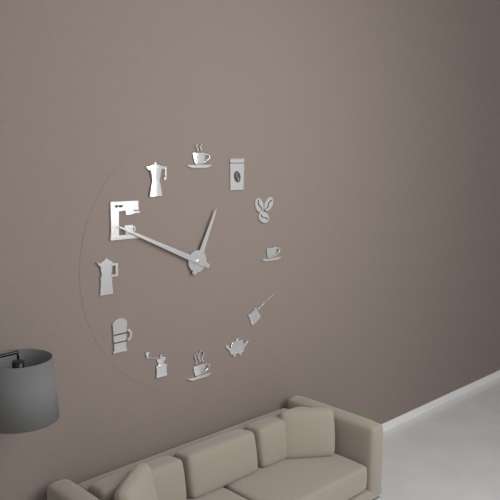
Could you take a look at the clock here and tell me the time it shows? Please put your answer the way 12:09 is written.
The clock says 12:49
